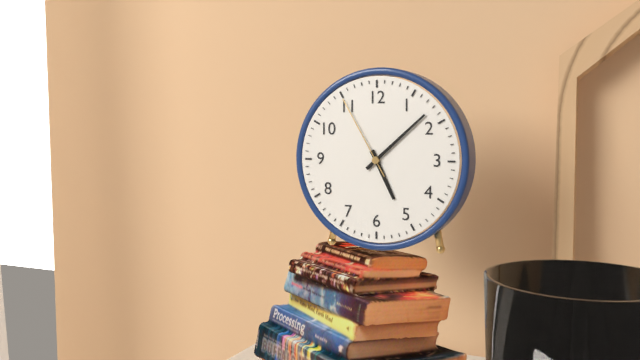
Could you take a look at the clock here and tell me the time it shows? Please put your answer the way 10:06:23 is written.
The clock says 5:08:55
